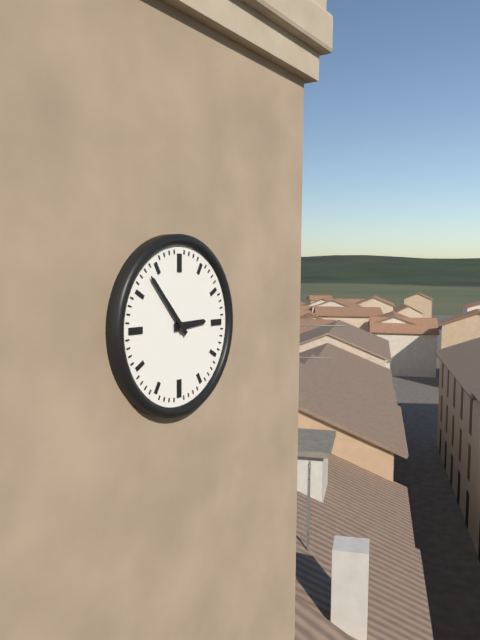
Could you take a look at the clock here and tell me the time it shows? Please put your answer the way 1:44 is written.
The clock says 2:53
